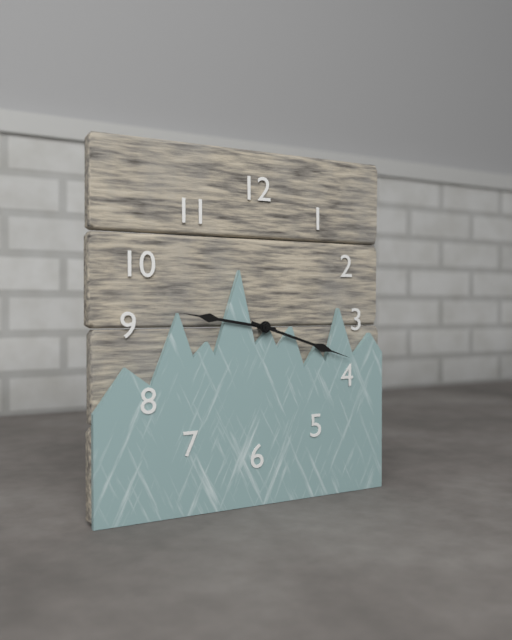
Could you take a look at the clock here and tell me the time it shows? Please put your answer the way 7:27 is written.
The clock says 9:18
